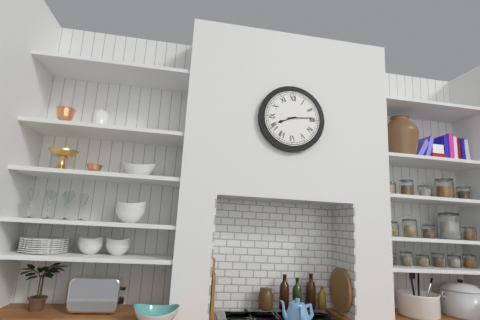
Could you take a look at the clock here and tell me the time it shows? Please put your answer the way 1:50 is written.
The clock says 8:14
